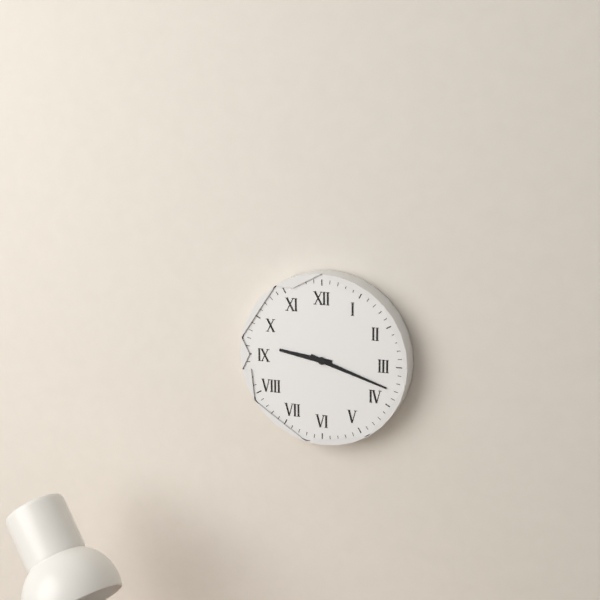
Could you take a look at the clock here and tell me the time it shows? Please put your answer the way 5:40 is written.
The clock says 9:18
